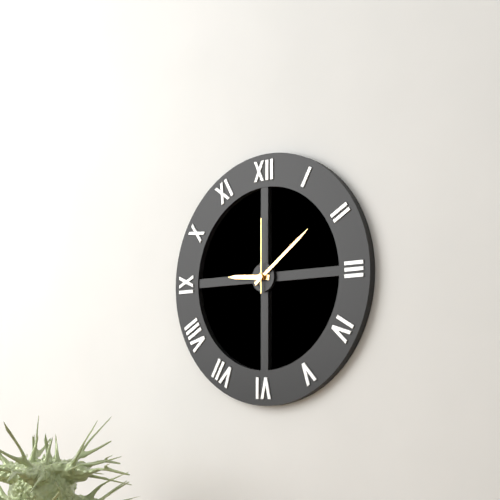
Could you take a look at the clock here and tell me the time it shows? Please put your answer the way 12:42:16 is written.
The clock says 9:09:00
